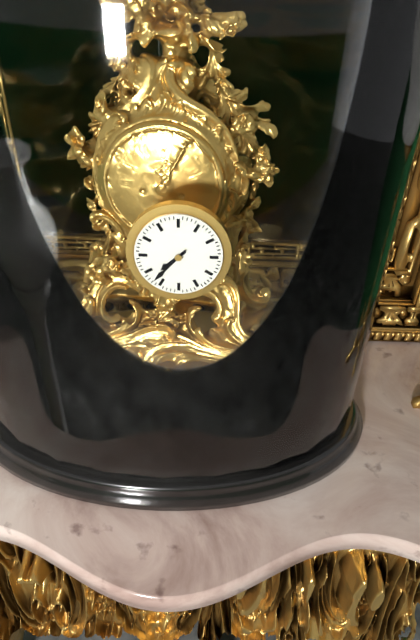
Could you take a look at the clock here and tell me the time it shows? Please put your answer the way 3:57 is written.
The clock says 7:37
